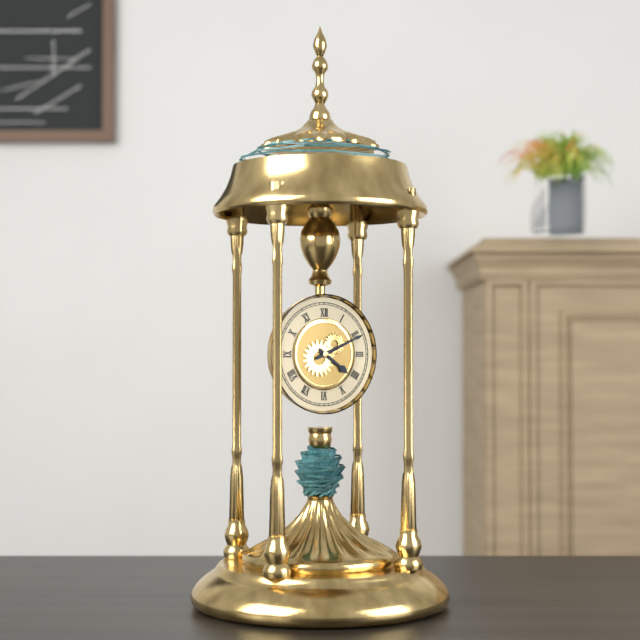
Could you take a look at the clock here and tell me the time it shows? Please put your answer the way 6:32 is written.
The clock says 4:11
